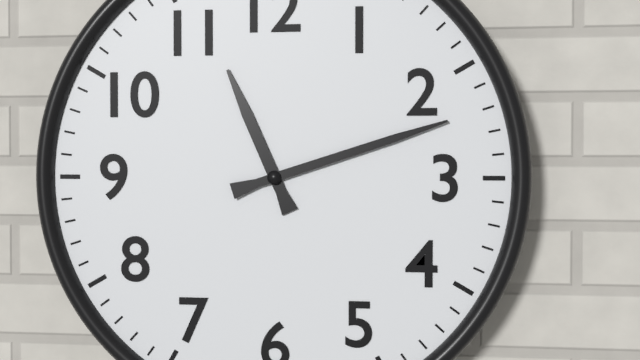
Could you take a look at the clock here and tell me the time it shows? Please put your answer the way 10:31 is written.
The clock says 11:12
